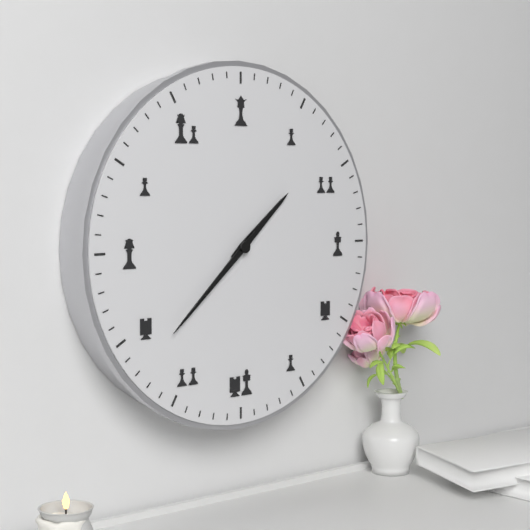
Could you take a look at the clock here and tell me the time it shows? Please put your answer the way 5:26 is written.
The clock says 1:38
